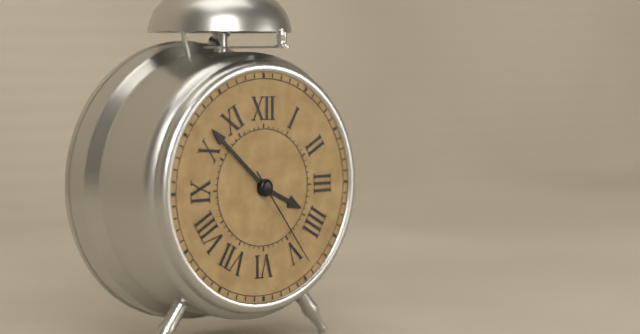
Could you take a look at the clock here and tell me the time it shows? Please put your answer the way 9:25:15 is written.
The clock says 3:52:24
